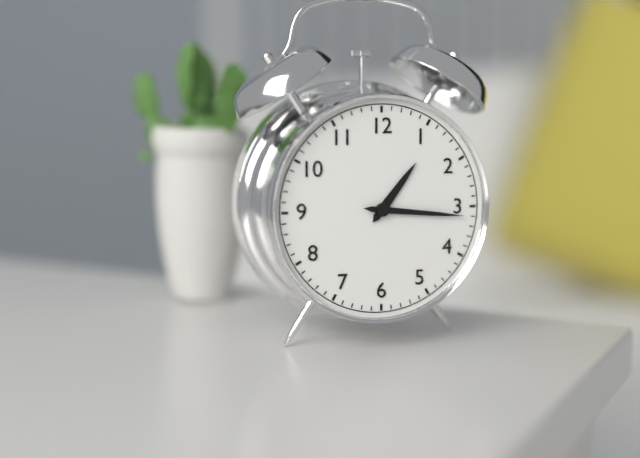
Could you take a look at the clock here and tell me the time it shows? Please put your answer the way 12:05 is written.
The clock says 1:16
